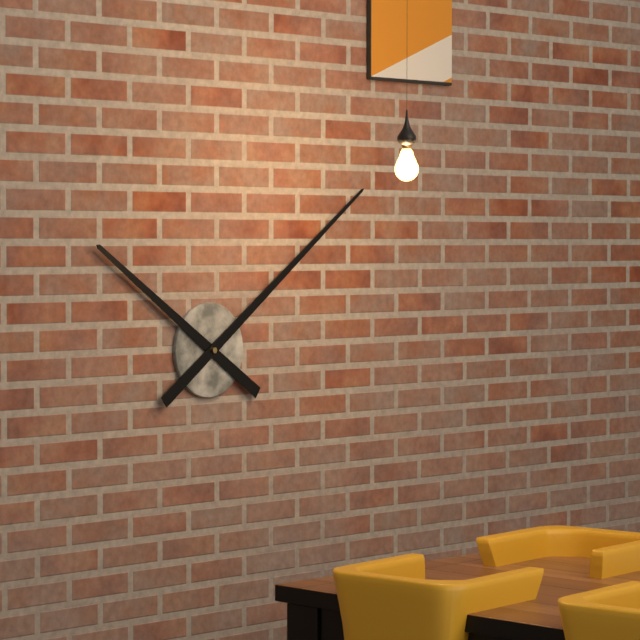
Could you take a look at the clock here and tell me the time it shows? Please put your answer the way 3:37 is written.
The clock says 10:09
